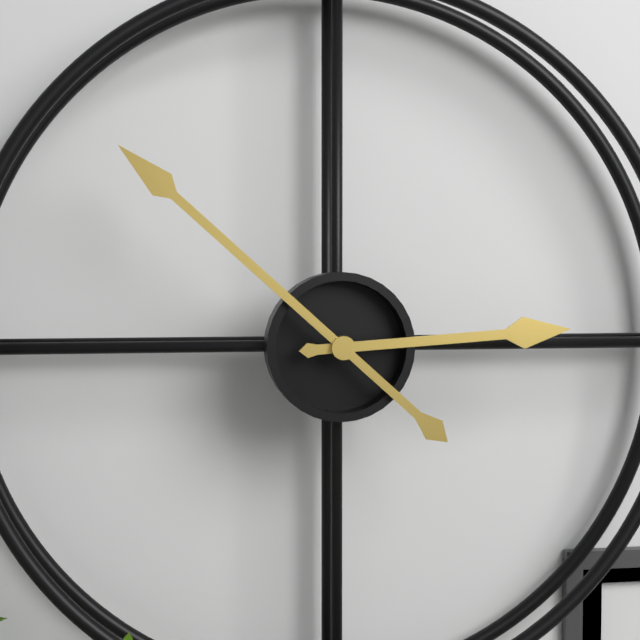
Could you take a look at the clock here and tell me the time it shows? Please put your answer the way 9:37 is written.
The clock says 2:52
